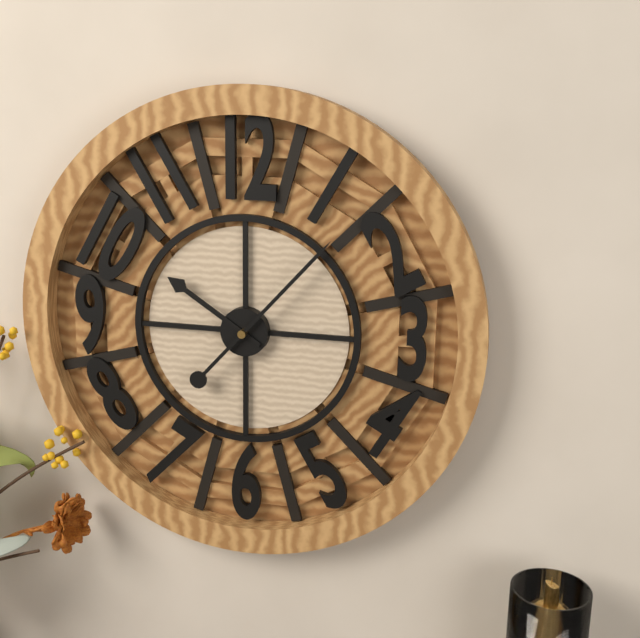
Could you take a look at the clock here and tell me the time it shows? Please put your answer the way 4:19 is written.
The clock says 10:07
